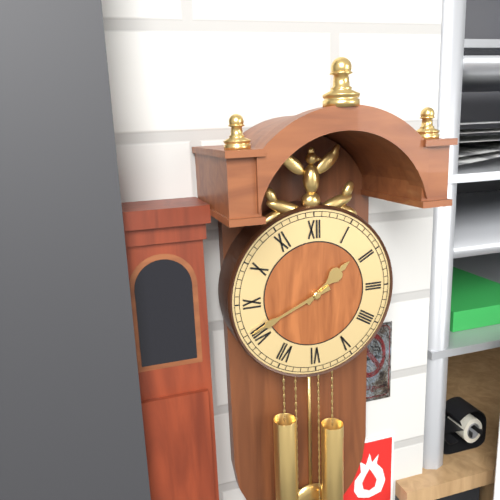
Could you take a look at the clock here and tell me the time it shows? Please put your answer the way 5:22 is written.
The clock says 1:41
